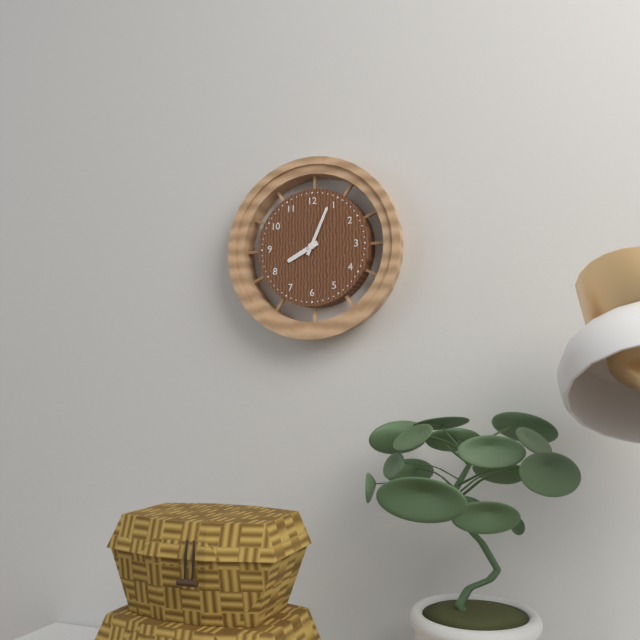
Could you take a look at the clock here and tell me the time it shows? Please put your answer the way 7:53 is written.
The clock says 8:04
